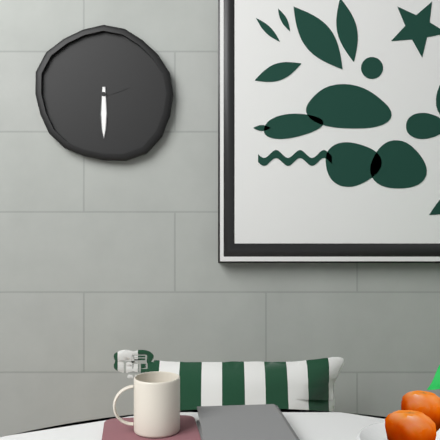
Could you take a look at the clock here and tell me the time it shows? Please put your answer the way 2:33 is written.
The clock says 2:30
